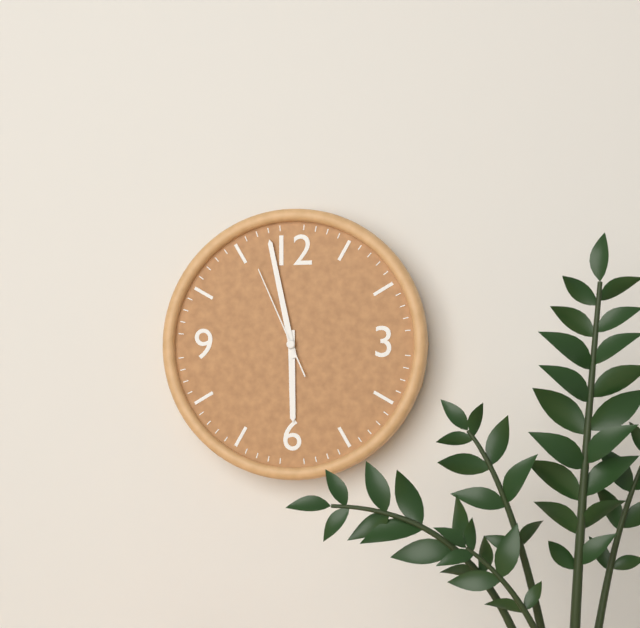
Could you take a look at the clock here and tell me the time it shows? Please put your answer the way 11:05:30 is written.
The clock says 5:58:56
